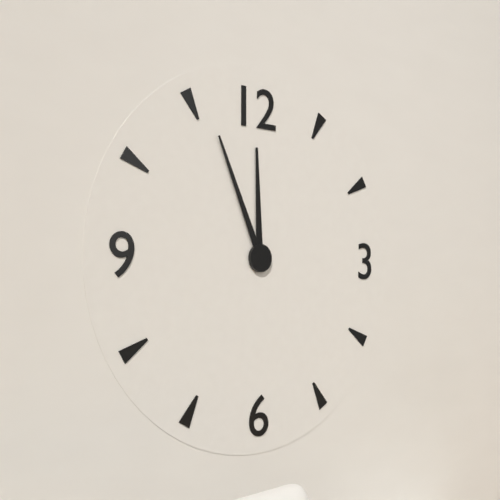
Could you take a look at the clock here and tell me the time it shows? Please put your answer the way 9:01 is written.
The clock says 11:56
